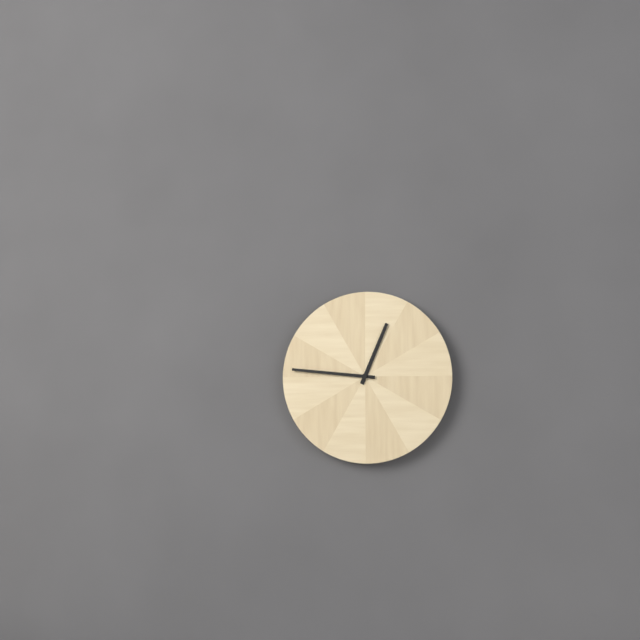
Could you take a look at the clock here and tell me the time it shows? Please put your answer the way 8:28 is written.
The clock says 12:46
